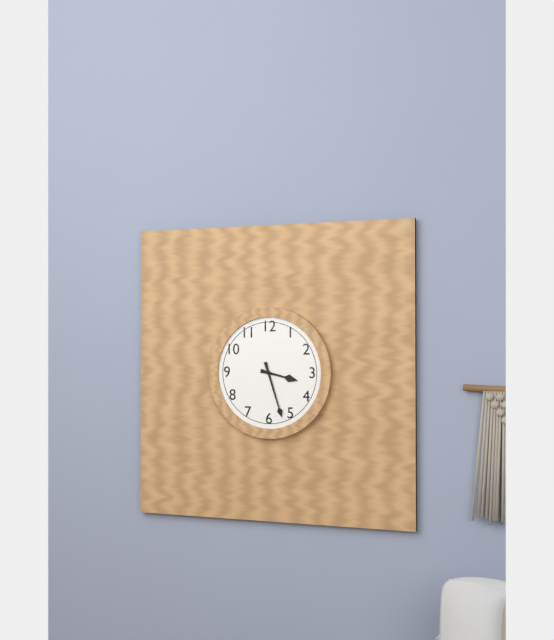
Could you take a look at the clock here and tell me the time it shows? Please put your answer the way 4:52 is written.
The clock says 3:27
